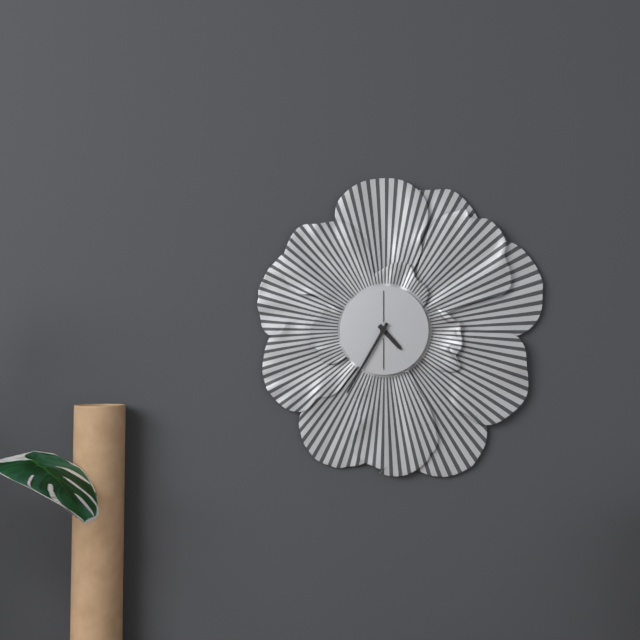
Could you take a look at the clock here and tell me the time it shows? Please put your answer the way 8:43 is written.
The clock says 4:35
